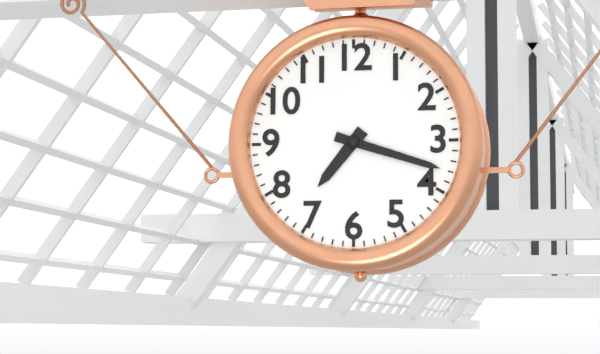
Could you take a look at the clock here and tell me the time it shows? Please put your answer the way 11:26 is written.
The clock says 7:18
